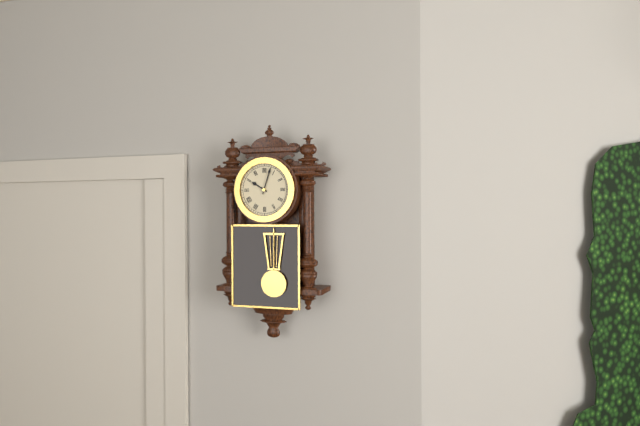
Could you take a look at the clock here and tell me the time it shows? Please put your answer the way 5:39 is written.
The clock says 10:03
